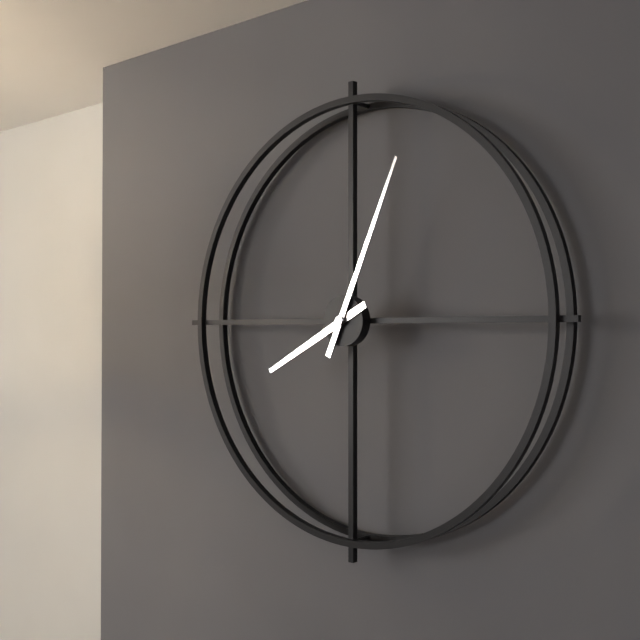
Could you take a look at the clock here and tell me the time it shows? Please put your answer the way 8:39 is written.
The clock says 8:04
